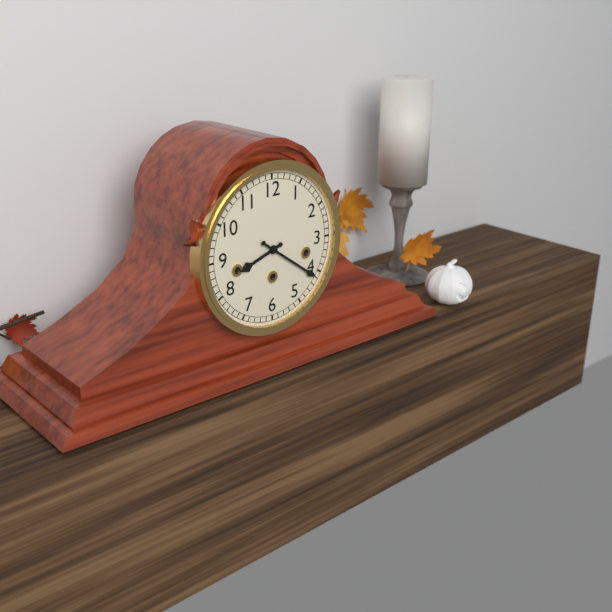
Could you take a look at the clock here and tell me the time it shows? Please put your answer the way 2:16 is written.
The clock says 8:21
